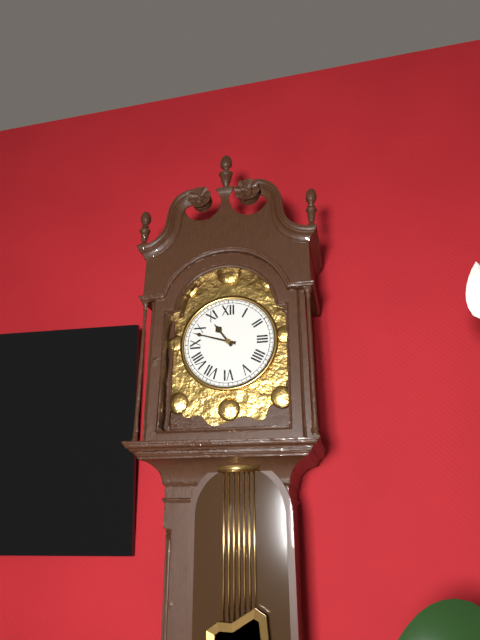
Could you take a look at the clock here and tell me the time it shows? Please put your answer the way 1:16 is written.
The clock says 10:48
